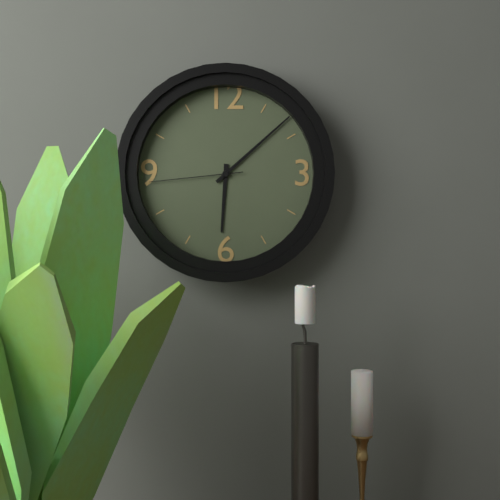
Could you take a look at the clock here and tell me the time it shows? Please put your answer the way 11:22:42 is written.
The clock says 6:08:44
